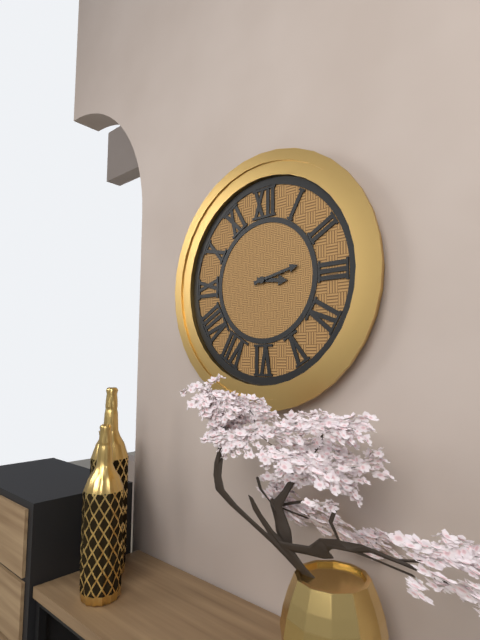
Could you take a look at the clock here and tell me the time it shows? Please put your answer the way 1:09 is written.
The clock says 3:13
